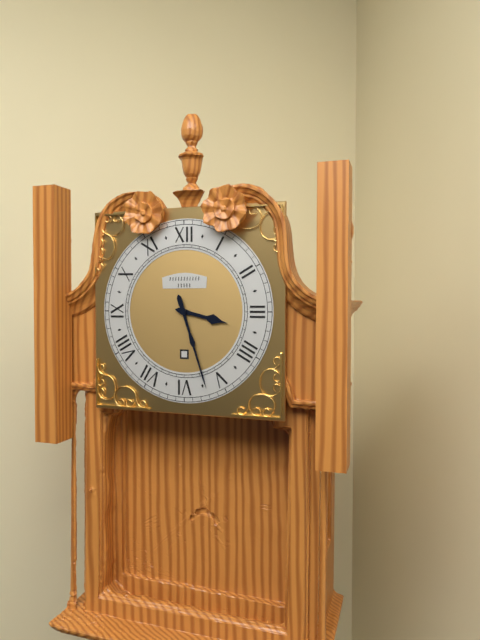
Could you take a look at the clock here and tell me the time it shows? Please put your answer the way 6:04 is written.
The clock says 3:27
